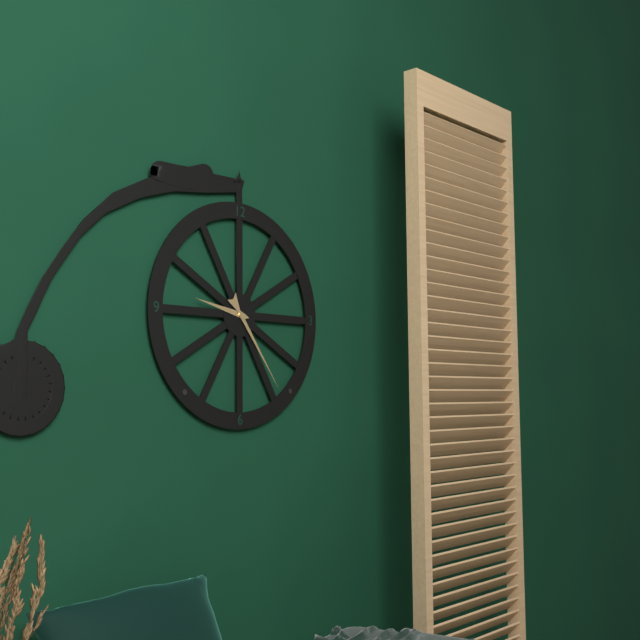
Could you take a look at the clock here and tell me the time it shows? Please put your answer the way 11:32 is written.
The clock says 9:24
